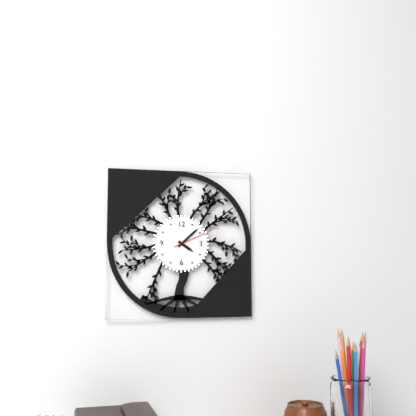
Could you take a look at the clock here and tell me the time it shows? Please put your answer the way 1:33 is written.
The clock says 4:08
